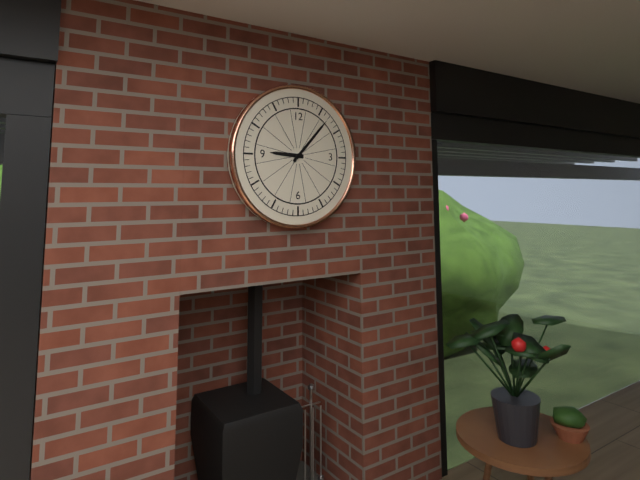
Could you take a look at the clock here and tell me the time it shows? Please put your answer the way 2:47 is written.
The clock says 9:07
